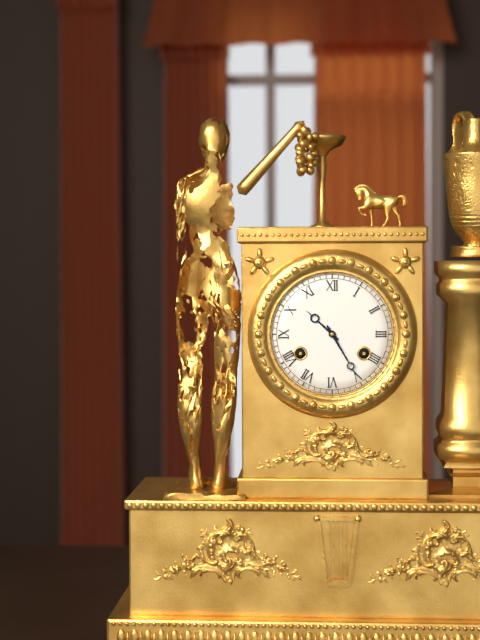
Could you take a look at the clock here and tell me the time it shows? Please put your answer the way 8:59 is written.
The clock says 10:25
